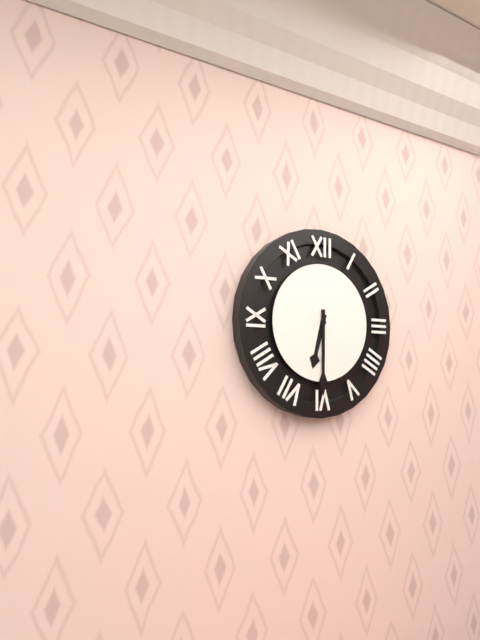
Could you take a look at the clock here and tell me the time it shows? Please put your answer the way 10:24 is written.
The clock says 6:30
